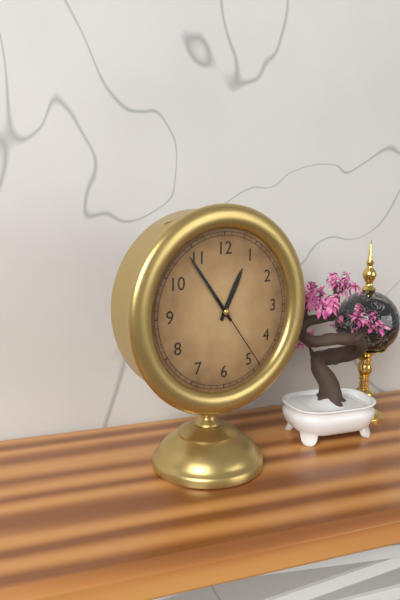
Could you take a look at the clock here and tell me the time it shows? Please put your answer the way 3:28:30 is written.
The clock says 12:54:24
